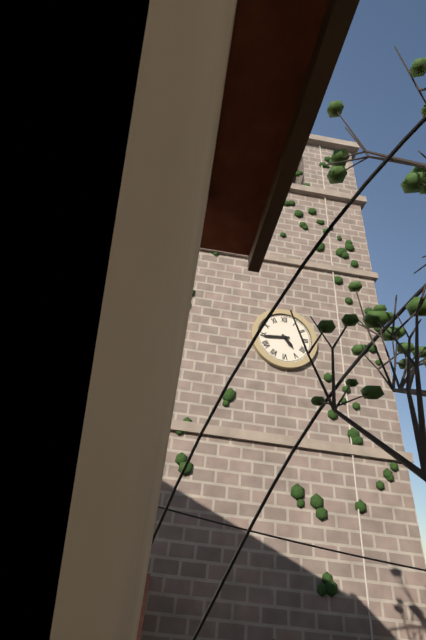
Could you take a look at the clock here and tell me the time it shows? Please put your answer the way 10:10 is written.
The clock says 4:44
